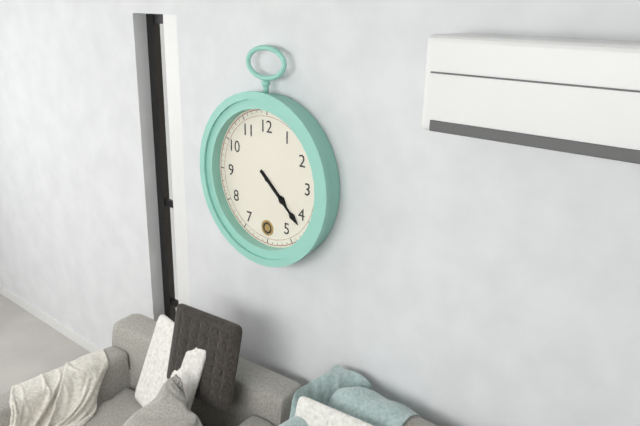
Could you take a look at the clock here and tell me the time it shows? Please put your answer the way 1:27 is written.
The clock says 4:22
